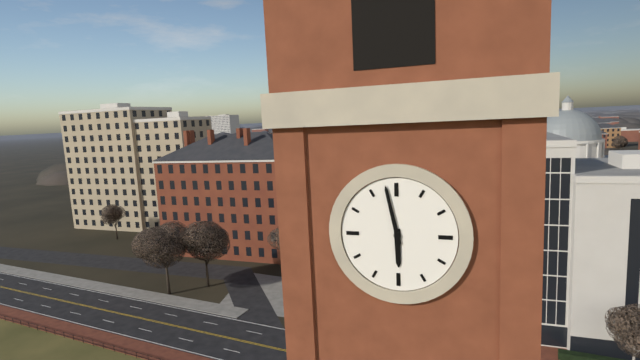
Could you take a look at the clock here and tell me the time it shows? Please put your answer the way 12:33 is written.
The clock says 5:58
